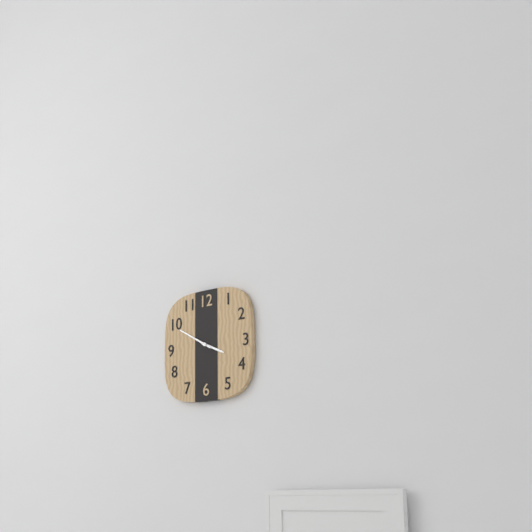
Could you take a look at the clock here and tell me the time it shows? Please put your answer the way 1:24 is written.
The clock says 3:50
